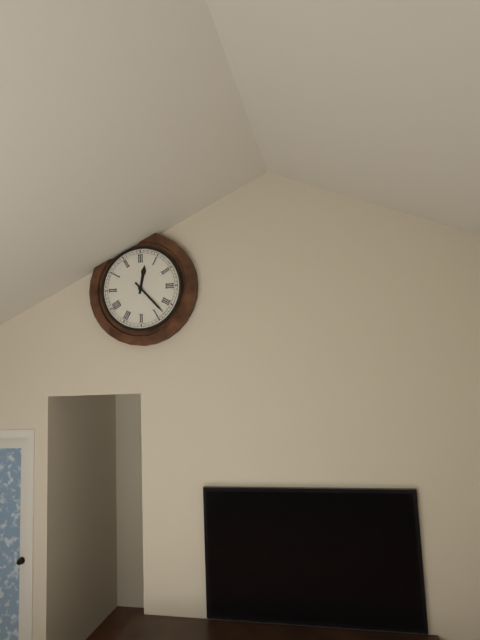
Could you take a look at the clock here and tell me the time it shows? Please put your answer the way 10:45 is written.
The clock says 12:23
